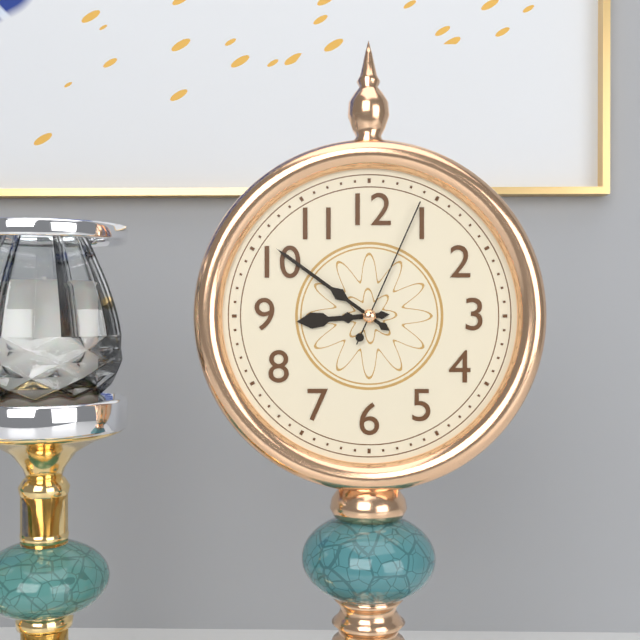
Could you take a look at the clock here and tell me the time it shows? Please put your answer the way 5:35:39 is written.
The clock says 8:51:04
